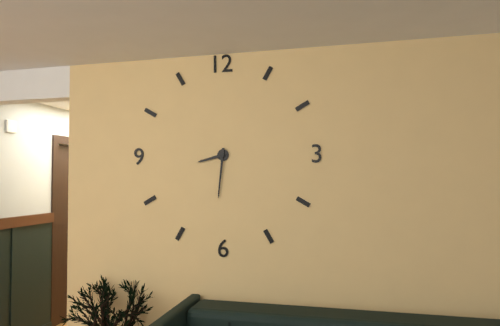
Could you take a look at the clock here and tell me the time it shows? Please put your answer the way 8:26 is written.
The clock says 8:31
